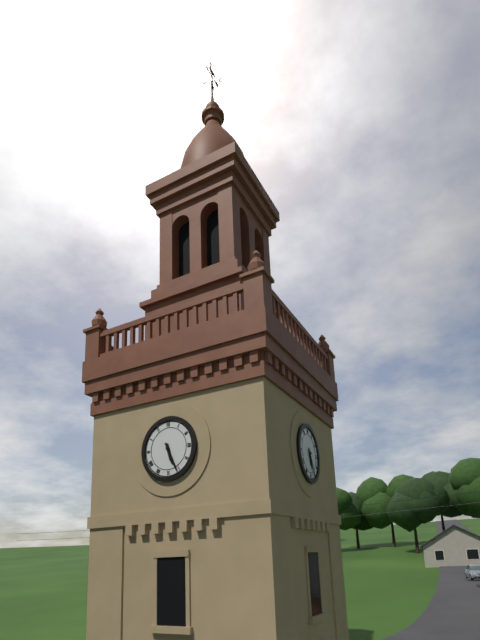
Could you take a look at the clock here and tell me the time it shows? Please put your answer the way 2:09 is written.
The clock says 5:26
